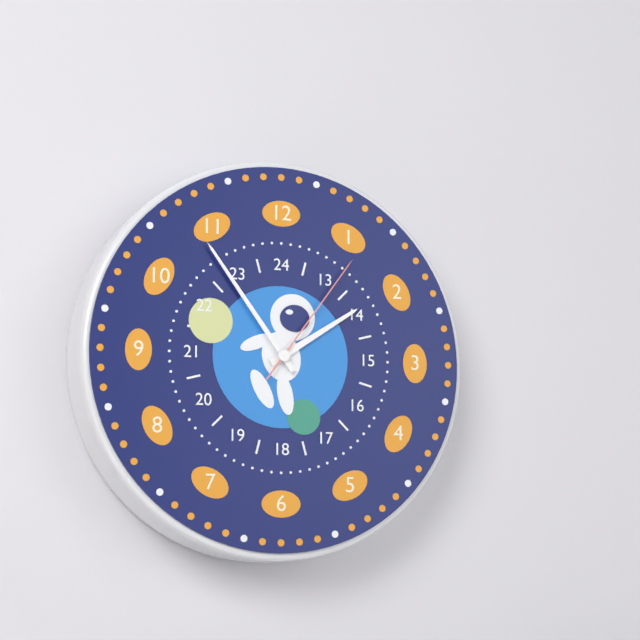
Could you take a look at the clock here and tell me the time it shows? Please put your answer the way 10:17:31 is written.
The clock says 1:54:06
